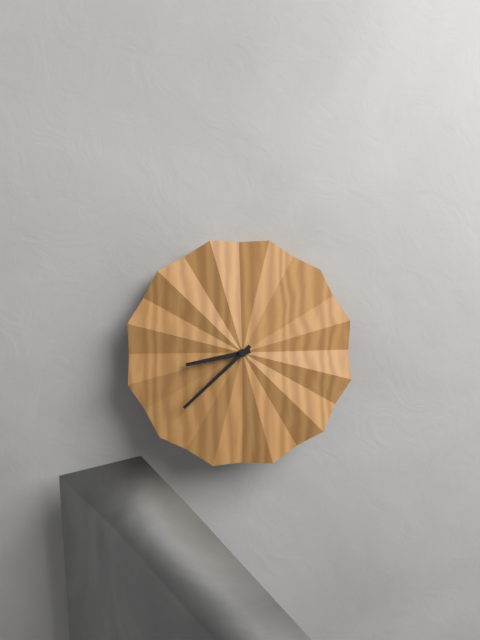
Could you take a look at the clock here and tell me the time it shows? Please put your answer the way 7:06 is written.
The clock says 8:38
